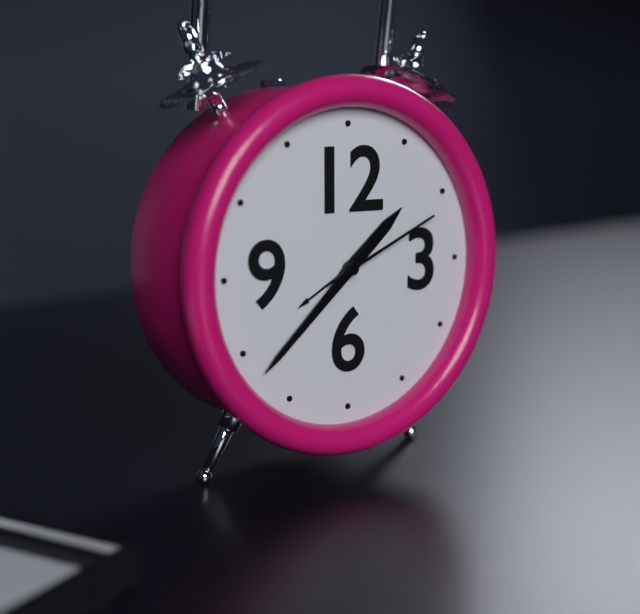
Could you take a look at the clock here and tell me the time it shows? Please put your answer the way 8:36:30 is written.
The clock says 1:38:11
